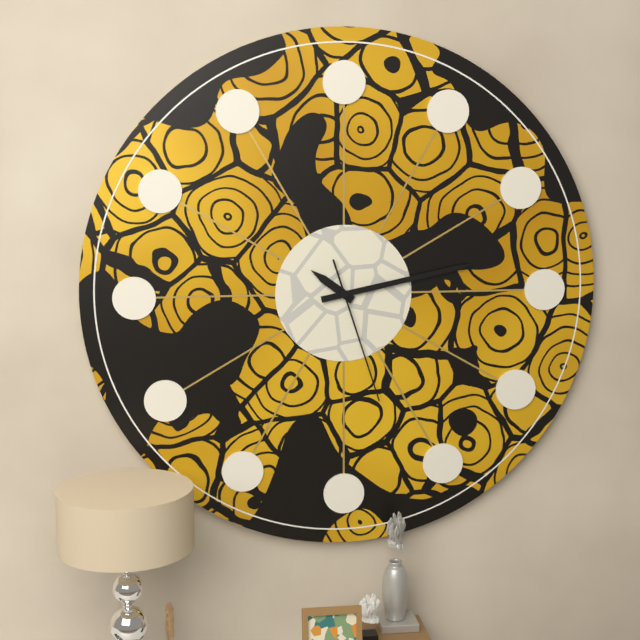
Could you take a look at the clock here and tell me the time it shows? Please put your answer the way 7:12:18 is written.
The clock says 10:13:27
